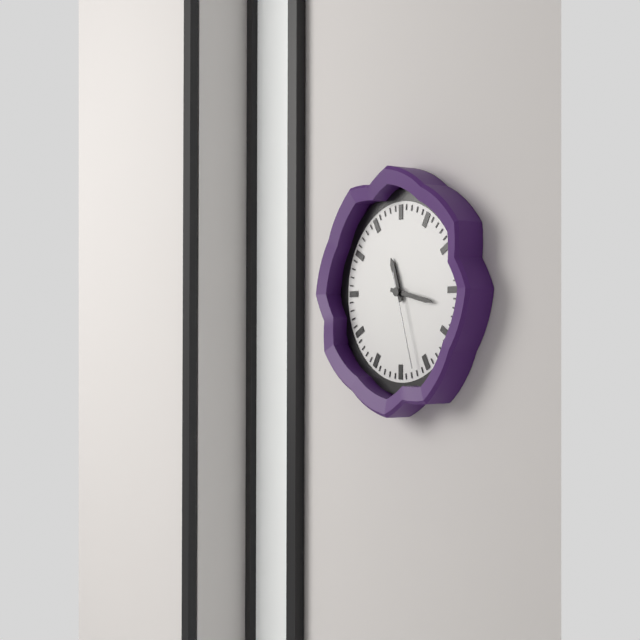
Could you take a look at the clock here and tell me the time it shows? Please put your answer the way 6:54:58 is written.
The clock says 11:17:27
